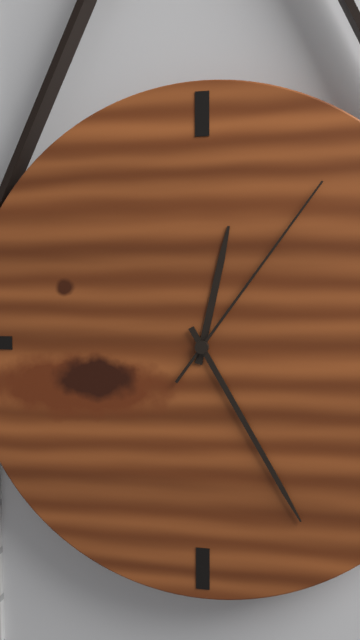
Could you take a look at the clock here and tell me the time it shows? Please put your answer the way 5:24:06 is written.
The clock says 12:25:06
